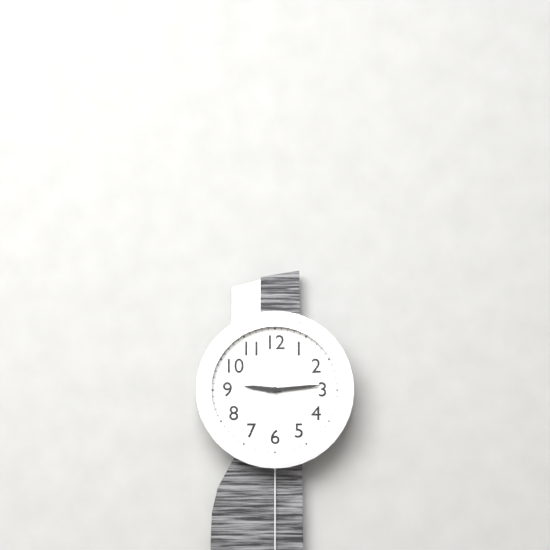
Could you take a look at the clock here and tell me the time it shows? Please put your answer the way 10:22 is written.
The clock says 9:14
